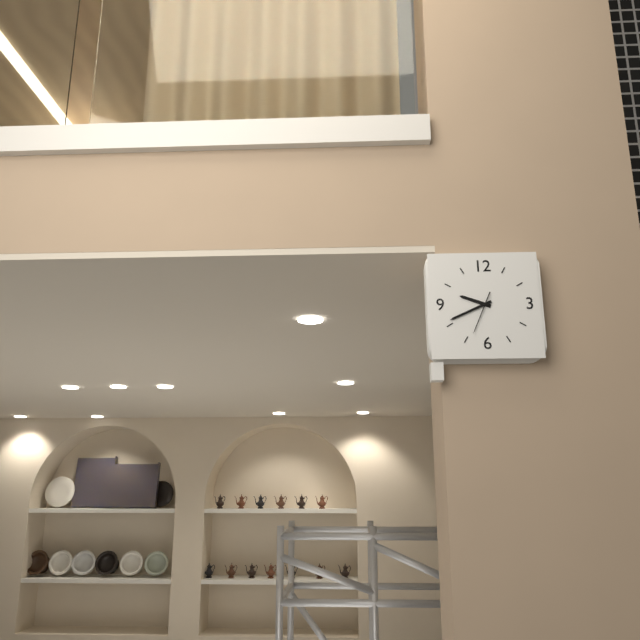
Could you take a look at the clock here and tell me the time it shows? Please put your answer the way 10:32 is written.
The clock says 9:41
